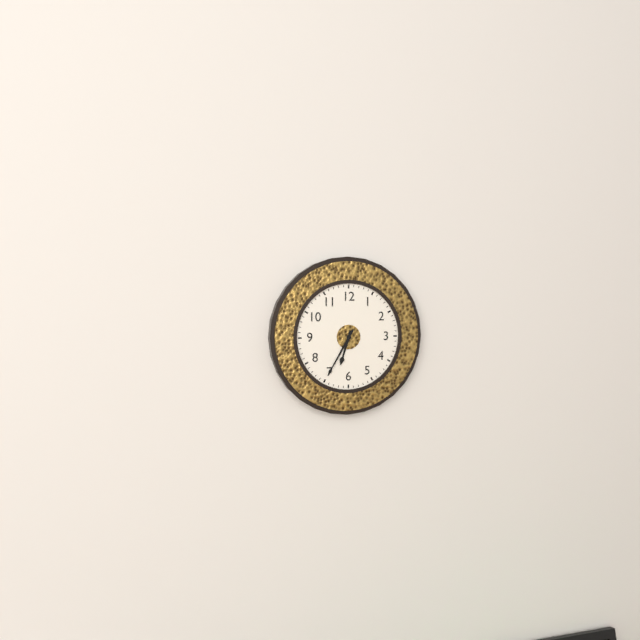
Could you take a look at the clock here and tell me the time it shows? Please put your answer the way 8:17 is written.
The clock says 6:35
